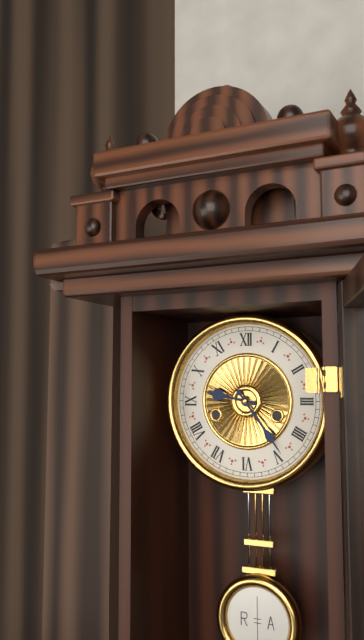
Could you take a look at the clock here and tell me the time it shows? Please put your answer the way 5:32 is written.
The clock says 9:24
